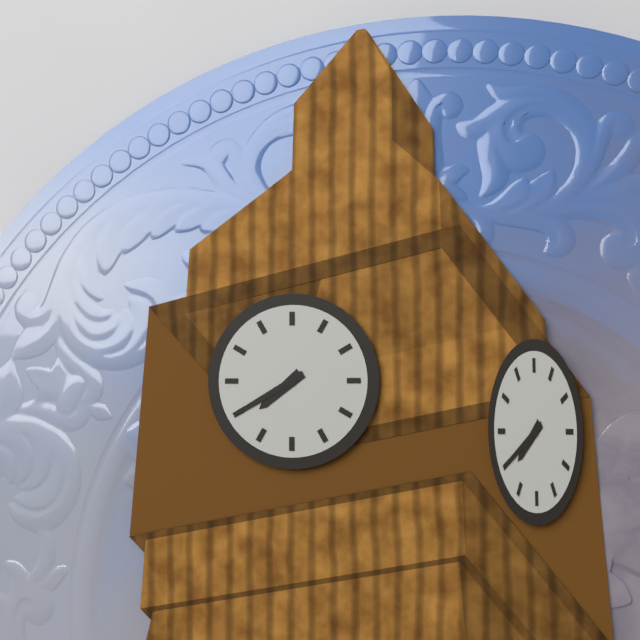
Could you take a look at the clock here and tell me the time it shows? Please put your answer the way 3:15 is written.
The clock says 7:40
